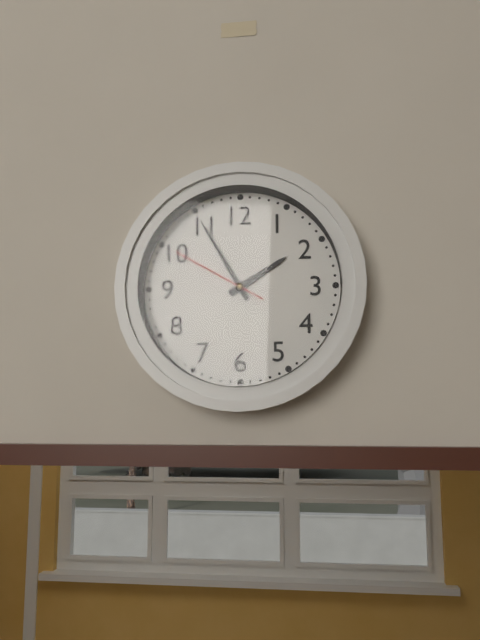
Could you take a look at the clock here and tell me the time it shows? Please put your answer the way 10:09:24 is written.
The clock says 1:55:50
